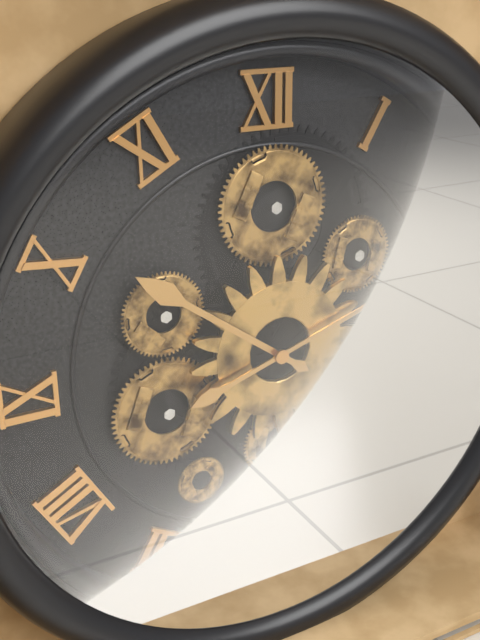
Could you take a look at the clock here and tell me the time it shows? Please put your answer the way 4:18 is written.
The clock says 10:12
